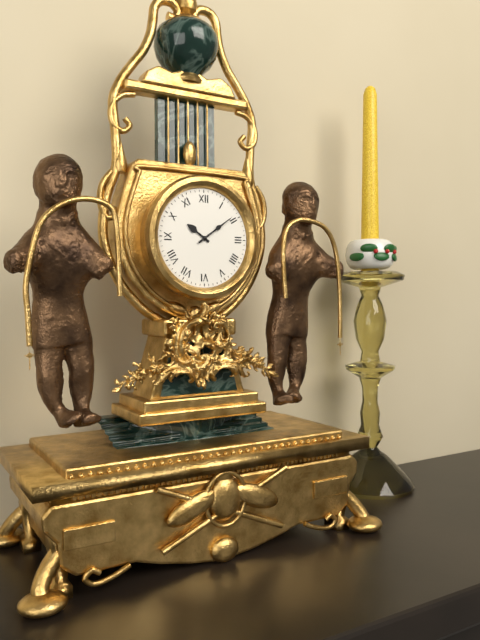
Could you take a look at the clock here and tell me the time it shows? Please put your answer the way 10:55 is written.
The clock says 10:09
